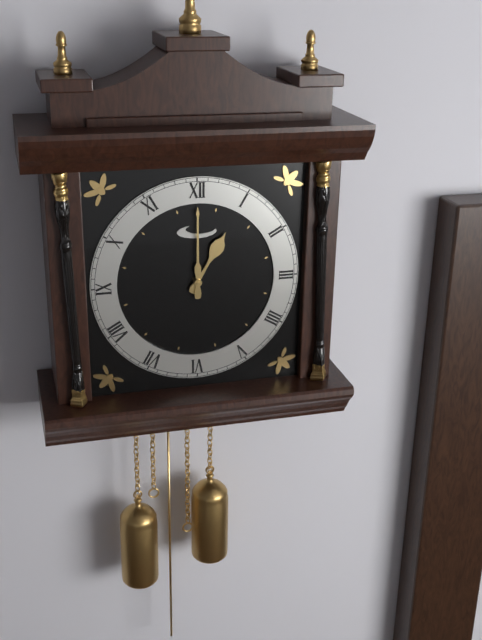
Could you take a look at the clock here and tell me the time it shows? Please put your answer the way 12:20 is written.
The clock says 1:00
